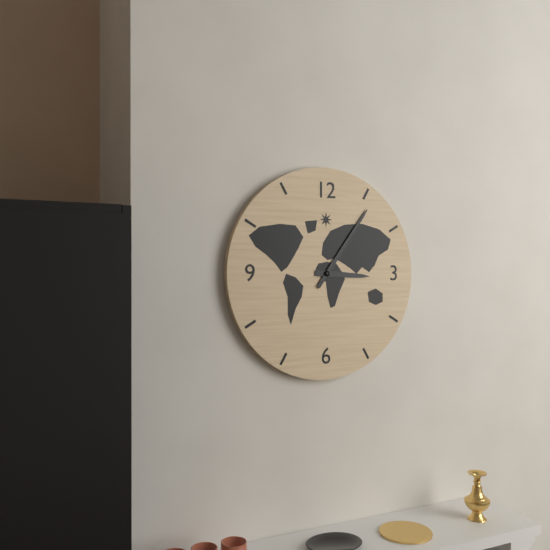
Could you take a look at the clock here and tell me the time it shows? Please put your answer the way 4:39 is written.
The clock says 3:06
